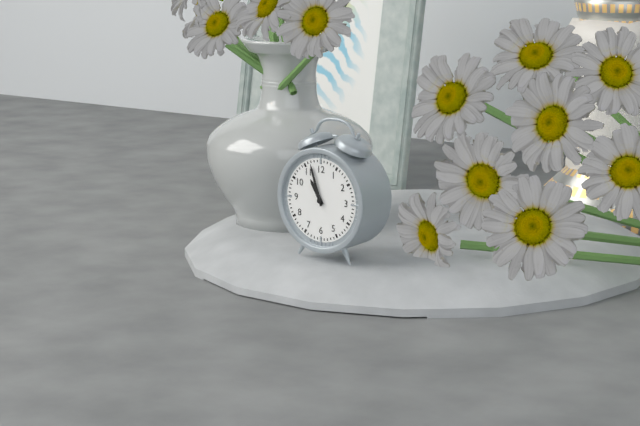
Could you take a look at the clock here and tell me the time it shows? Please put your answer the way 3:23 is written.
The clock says 10:57
